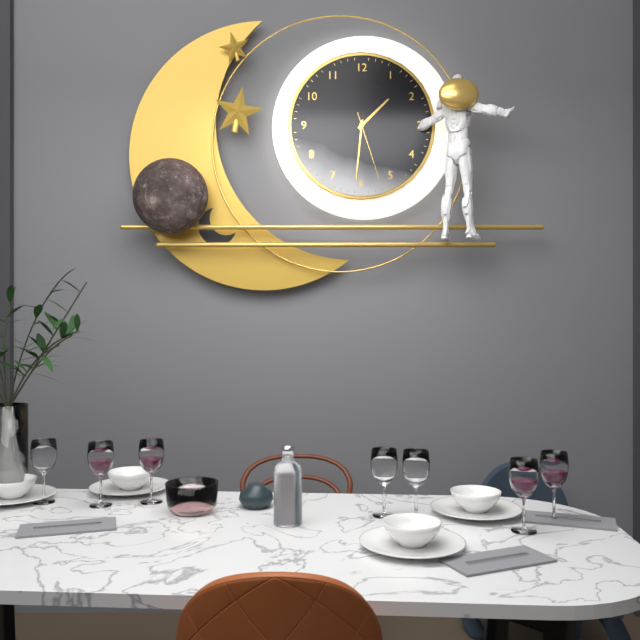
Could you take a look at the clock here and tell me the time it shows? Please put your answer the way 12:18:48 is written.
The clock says 1:31:27
